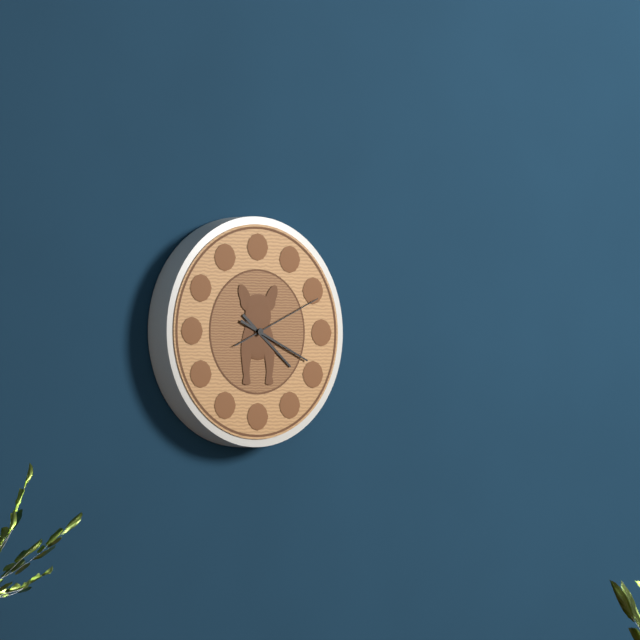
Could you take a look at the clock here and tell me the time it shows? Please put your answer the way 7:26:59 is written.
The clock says 4:19:11
